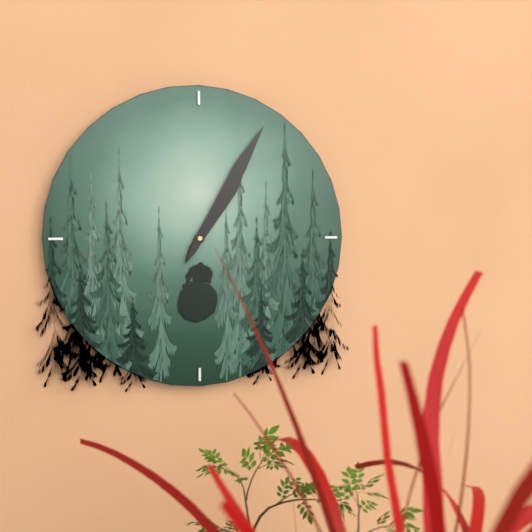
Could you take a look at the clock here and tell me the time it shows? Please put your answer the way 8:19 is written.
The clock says 1:05
